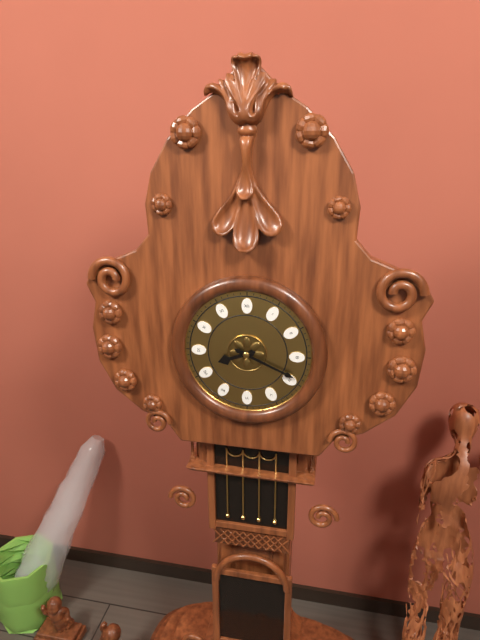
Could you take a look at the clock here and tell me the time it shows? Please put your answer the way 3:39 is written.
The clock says 8:19
